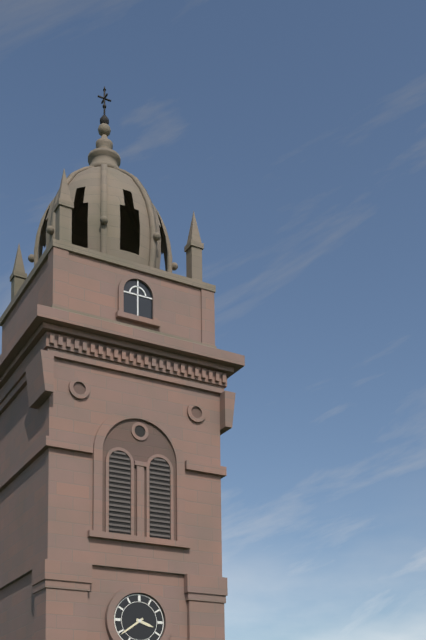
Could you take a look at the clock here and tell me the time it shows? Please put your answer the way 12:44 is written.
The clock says 3:39
